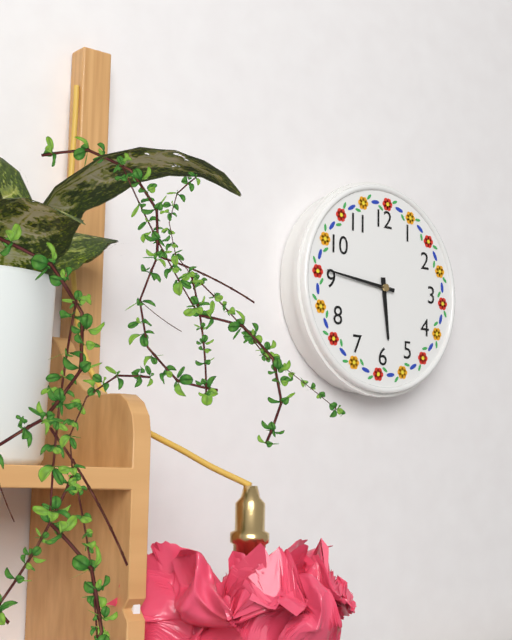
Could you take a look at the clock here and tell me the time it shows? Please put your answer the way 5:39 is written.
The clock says 5:46
